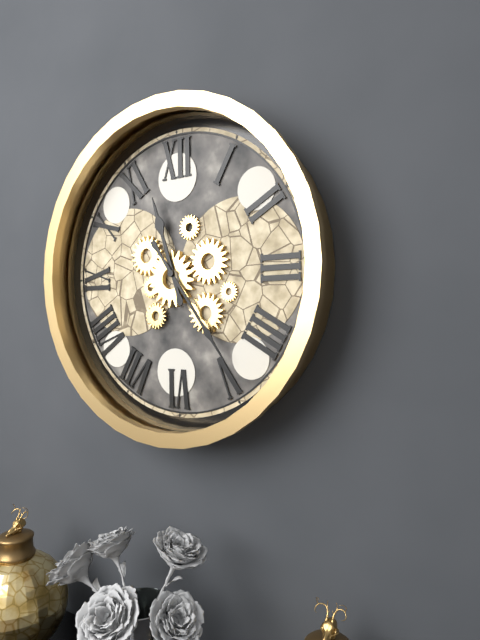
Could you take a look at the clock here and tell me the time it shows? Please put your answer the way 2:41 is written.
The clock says 11:24
